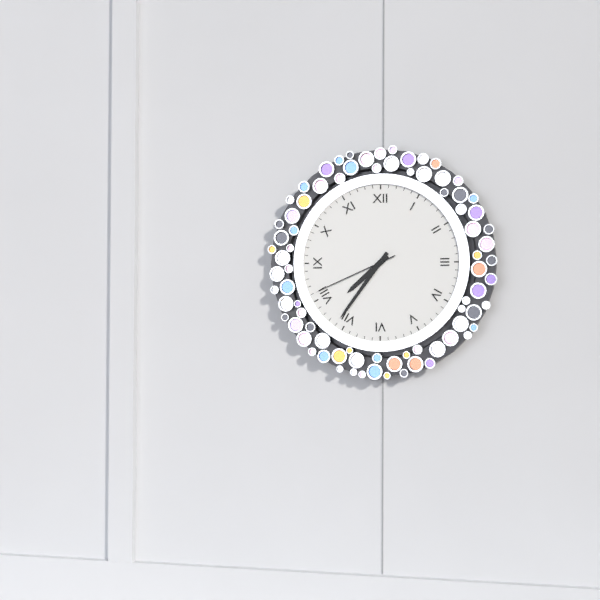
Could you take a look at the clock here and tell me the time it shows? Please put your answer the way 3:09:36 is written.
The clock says 7:36:41
